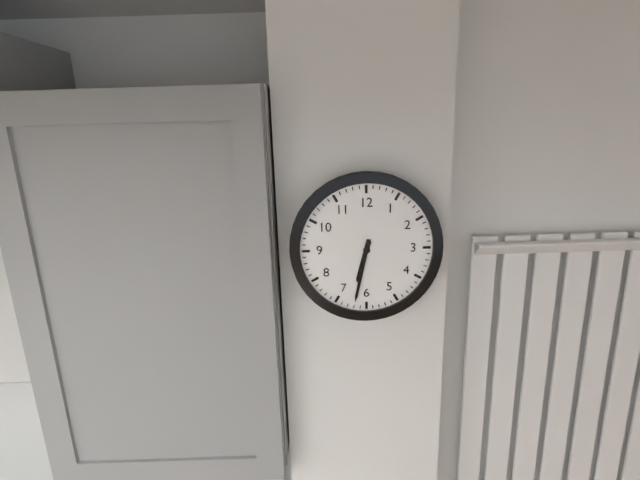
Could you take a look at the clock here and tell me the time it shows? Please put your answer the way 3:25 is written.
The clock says 6:32
